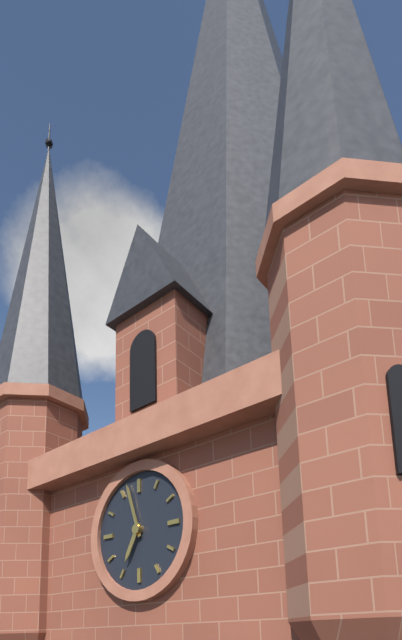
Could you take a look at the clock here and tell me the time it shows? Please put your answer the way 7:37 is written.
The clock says 6:57
